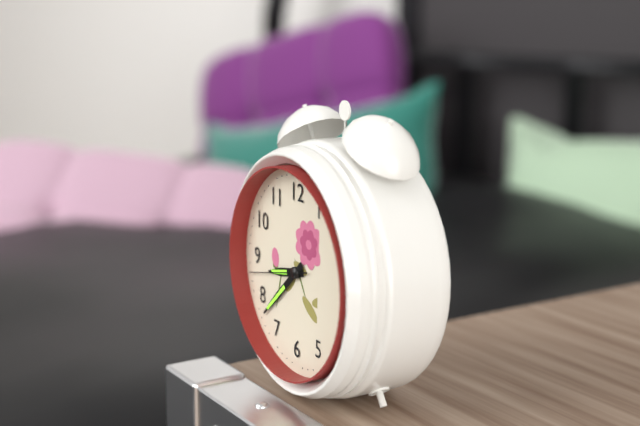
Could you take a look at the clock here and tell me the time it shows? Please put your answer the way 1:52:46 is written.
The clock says 8:38:43
